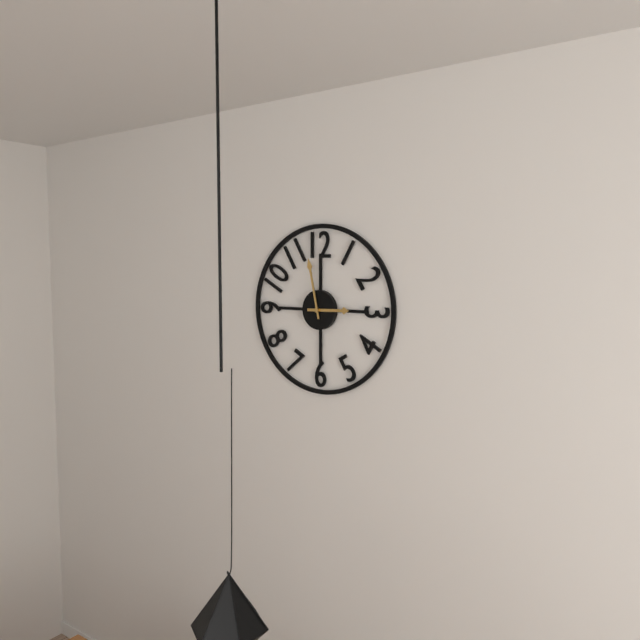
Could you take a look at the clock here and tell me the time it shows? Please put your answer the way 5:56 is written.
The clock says 2:58
